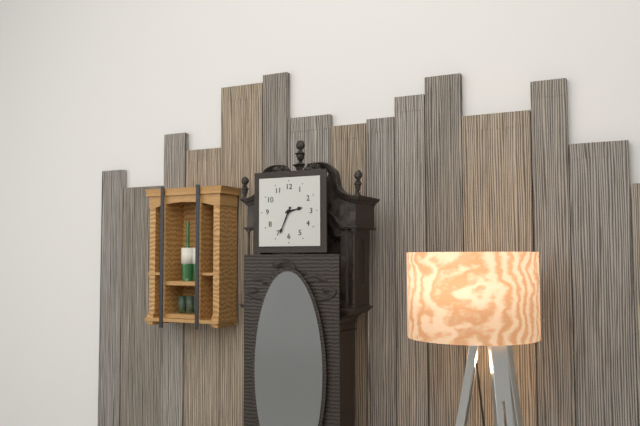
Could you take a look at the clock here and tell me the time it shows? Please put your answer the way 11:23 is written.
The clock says 2:34
